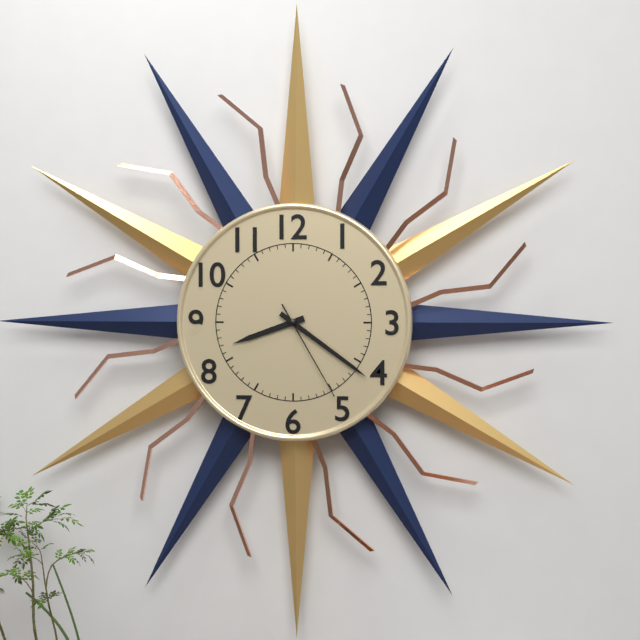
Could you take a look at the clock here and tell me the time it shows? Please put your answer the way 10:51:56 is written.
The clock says 8:21:25
